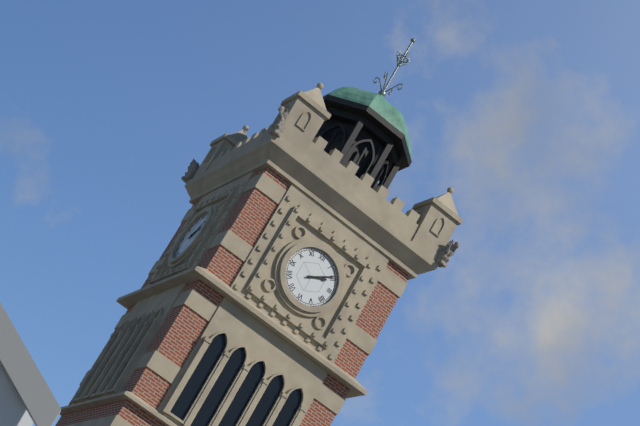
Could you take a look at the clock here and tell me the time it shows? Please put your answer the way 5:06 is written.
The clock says 2:09
